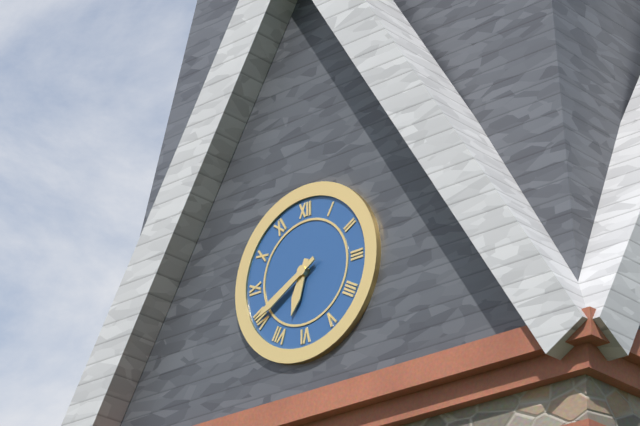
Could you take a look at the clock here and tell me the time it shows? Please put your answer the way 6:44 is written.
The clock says 6:40
